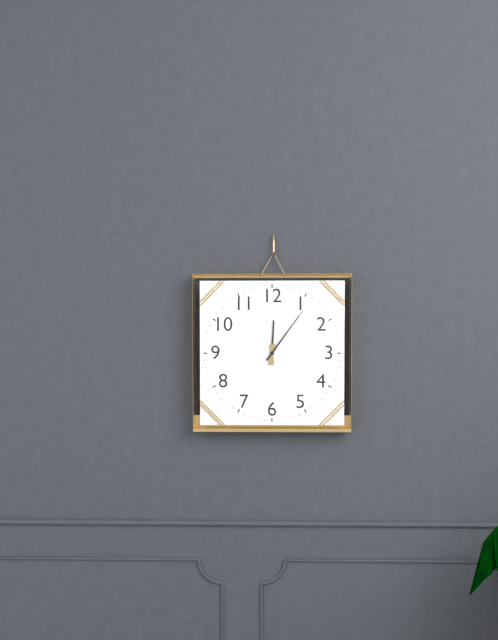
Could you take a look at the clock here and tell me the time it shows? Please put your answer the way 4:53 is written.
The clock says 12:06
